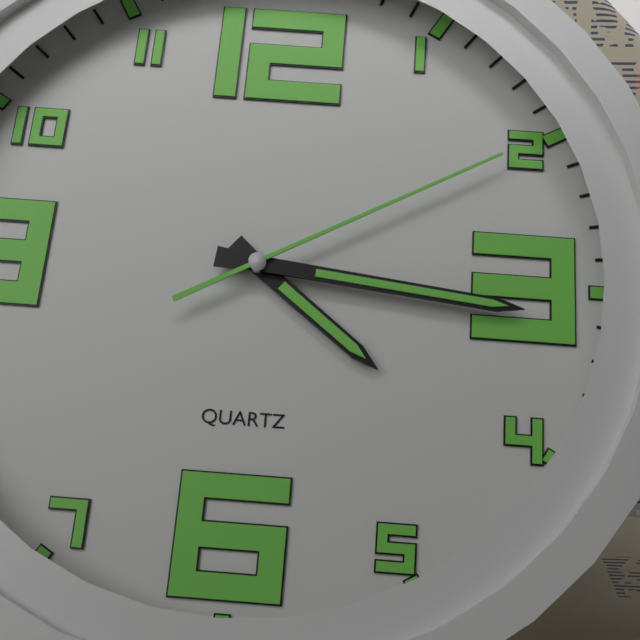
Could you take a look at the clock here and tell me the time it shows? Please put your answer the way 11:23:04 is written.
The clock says 4:16:10
